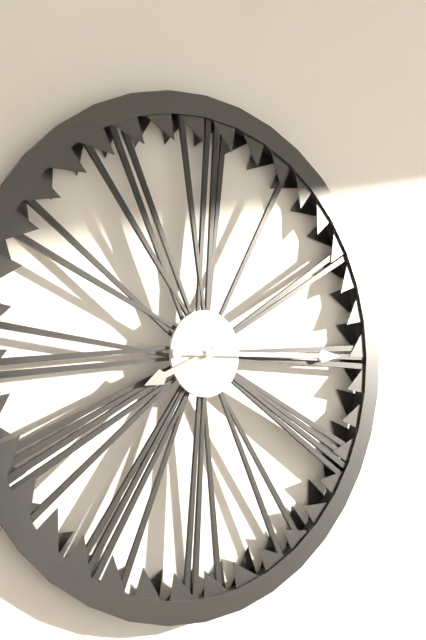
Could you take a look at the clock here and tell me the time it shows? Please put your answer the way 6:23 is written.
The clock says 8:15
